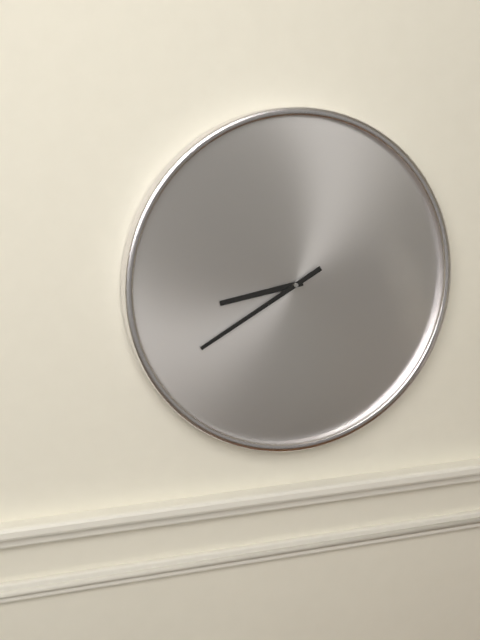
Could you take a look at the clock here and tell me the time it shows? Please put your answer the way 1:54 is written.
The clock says 8:40
